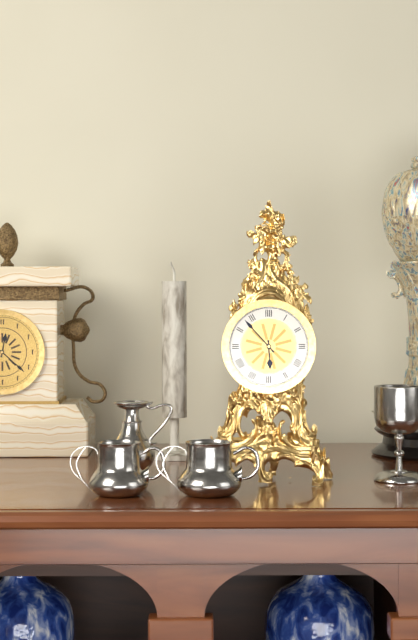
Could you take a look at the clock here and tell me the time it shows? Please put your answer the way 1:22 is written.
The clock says 5:53
